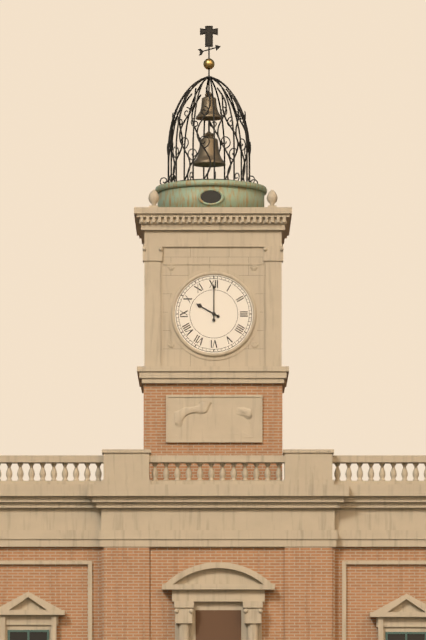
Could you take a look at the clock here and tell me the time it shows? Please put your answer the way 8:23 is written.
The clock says 10:00
